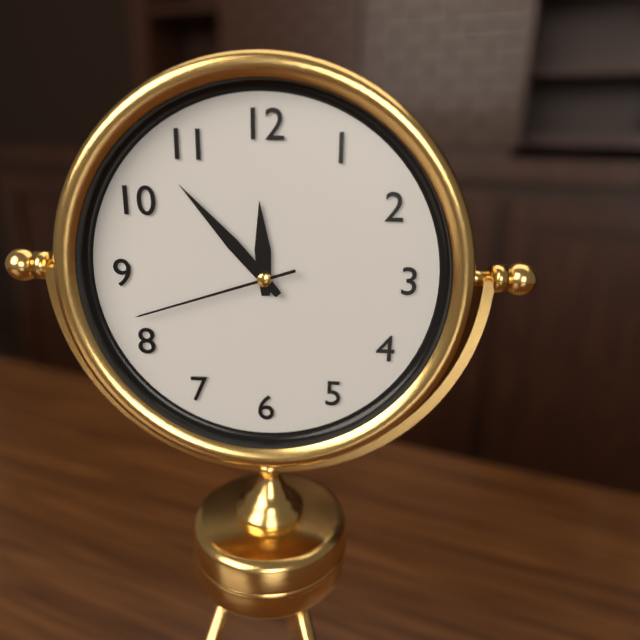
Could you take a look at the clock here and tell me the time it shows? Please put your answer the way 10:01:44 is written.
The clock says 11:53:42
